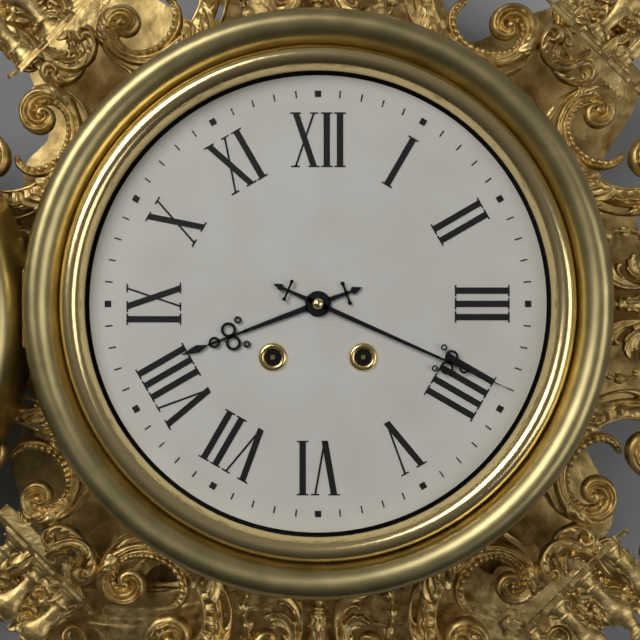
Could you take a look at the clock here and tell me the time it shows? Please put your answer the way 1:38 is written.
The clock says 8:19
